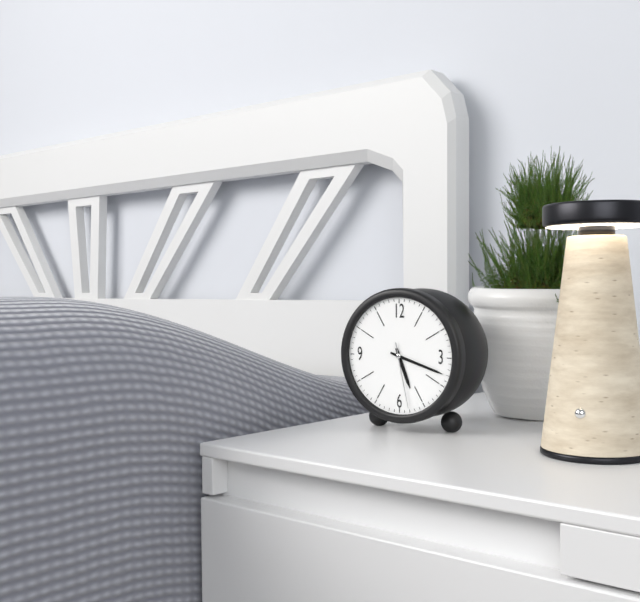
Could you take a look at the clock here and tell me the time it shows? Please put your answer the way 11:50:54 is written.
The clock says 5:18:28
